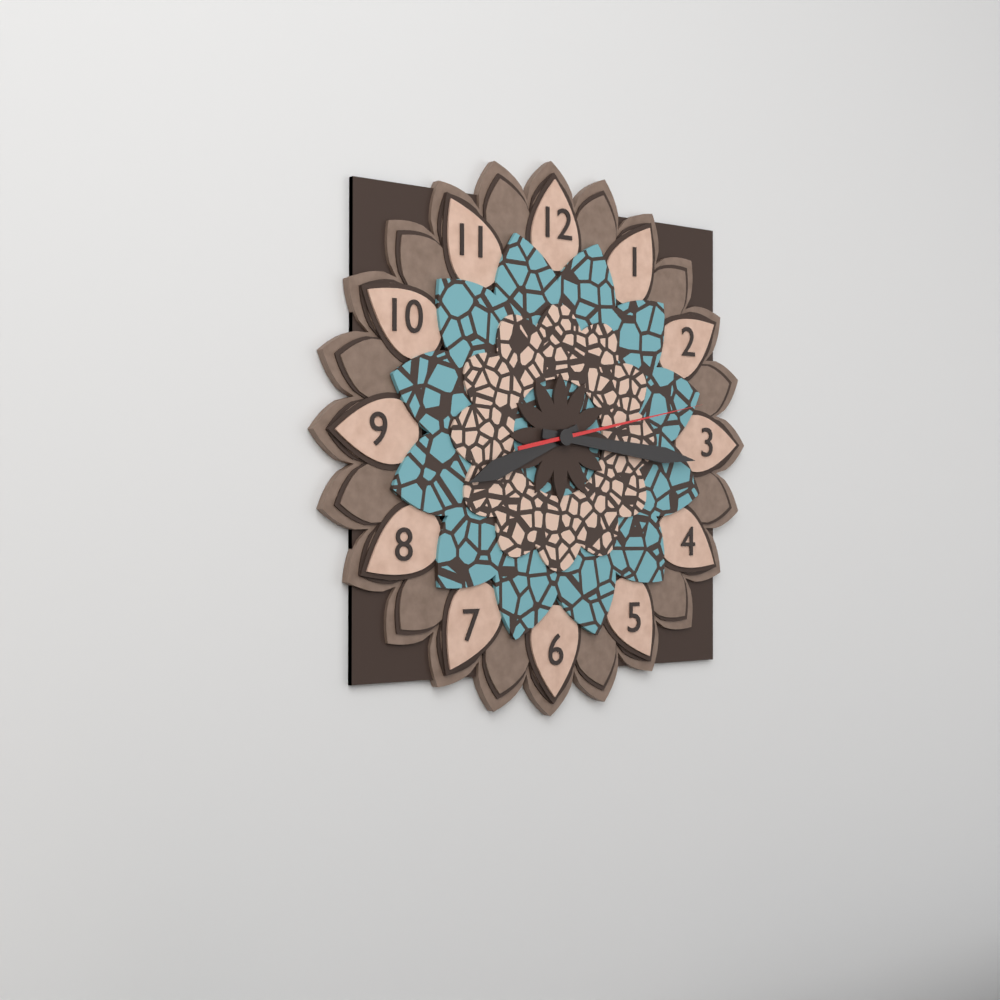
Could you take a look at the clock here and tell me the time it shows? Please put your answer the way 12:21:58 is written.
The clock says 8:16:13
